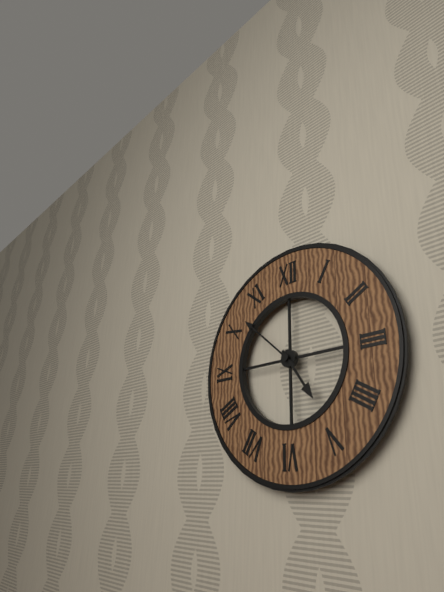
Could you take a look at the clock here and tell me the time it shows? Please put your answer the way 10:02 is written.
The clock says 4:52
